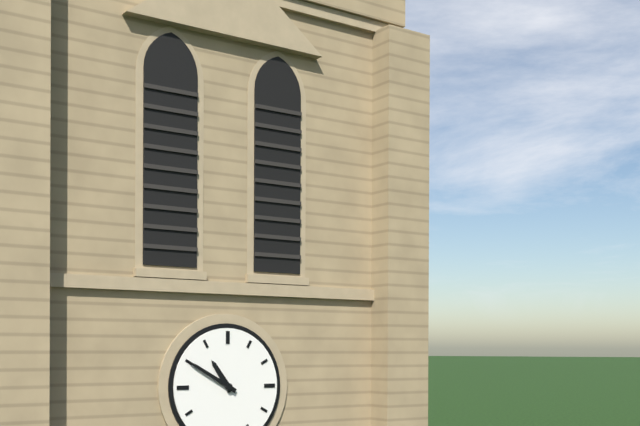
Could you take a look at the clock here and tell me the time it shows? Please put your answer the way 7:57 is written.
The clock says 10:50
